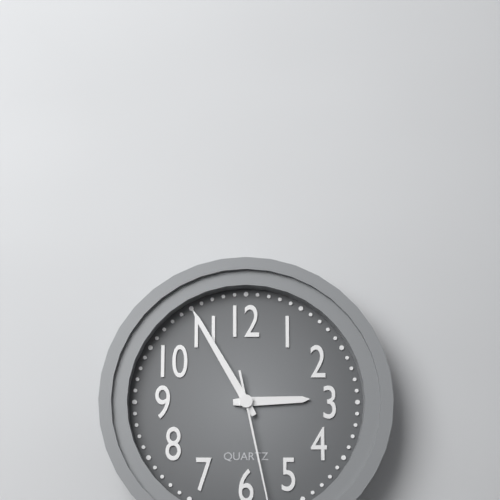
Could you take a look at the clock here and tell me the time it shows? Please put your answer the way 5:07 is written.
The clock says 2:55
